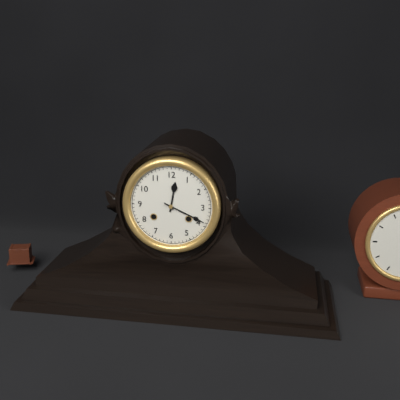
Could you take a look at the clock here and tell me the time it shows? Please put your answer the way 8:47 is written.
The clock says 12:19
